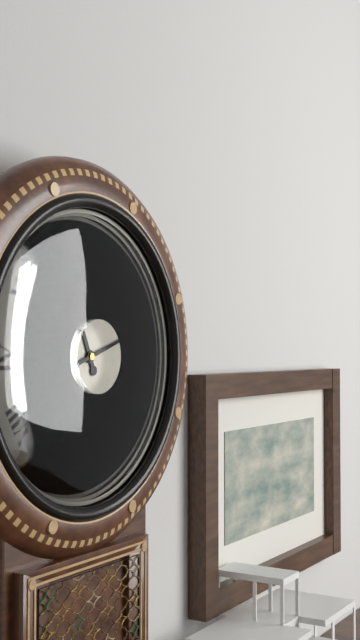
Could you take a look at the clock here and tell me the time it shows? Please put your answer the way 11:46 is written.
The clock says 11:12
